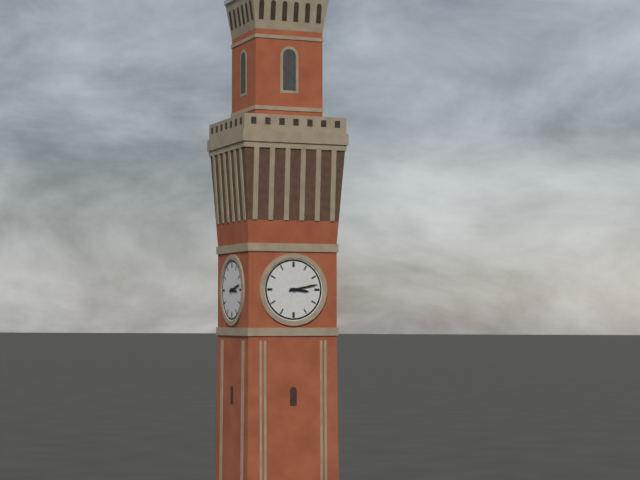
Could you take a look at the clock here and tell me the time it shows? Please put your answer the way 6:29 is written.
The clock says 3:13
